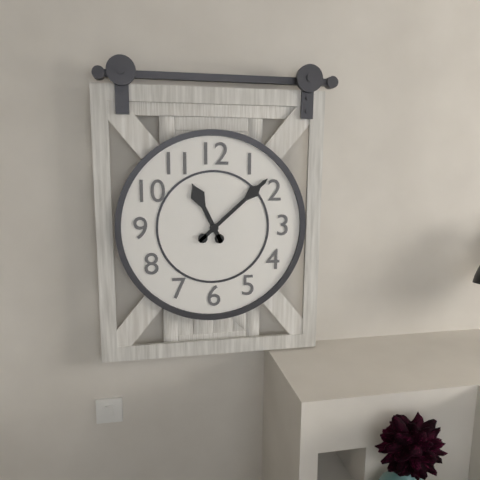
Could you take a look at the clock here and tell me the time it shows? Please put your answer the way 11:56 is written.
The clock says 11:08
